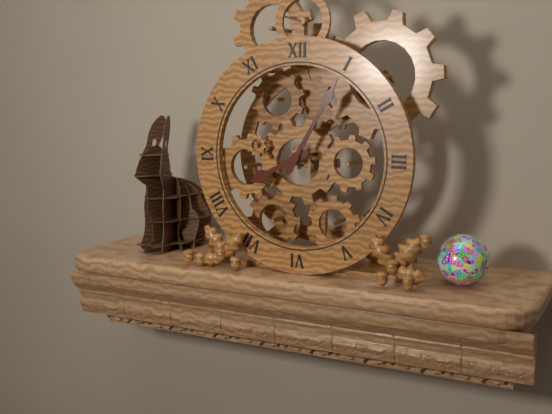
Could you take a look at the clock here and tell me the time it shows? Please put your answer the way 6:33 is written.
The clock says 8:05
